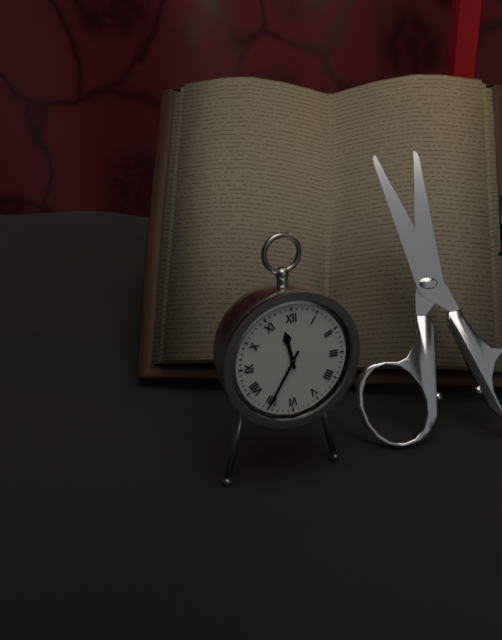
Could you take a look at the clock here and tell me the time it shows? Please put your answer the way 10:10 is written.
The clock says 11:35
